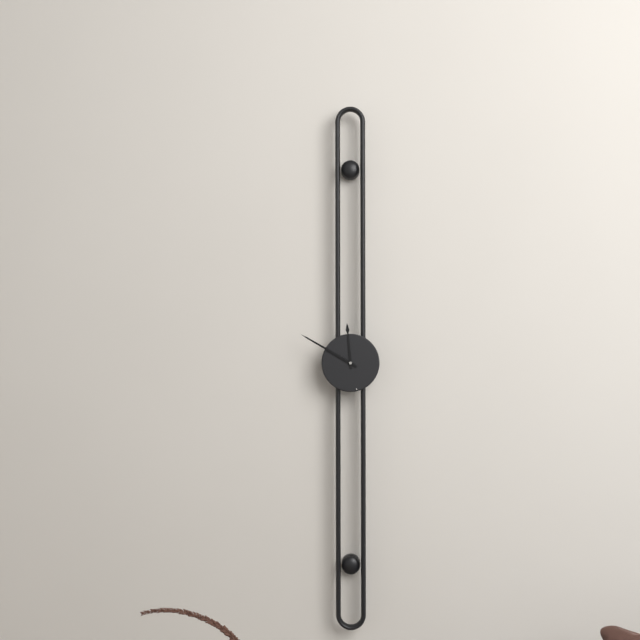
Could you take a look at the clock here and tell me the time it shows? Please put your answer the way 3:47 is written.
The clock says 11:50
